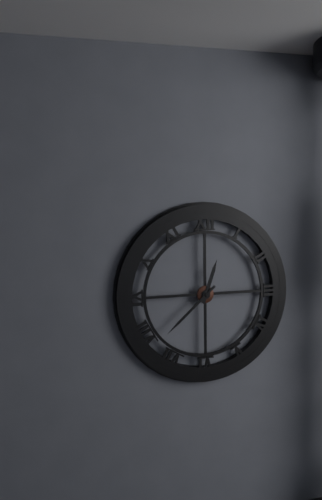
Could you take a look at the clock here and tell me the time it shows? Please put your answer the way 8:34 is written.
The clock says 12:38
